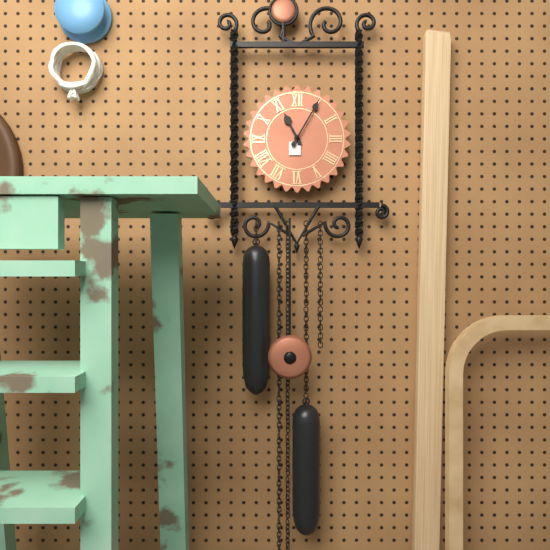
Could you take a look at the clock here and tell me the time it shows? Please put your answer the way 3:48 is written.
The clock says 11:05
